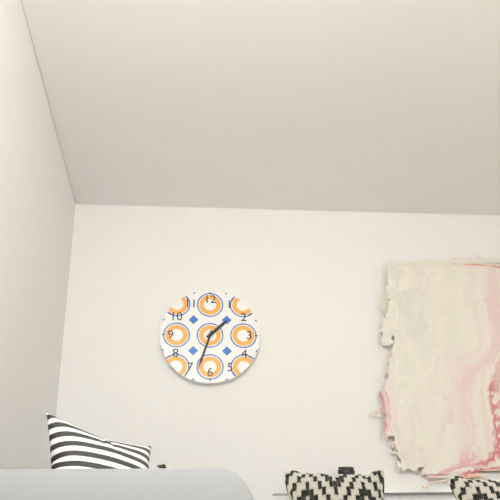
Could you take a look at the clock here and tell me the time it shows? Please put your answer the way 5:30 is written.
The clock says 1:33
